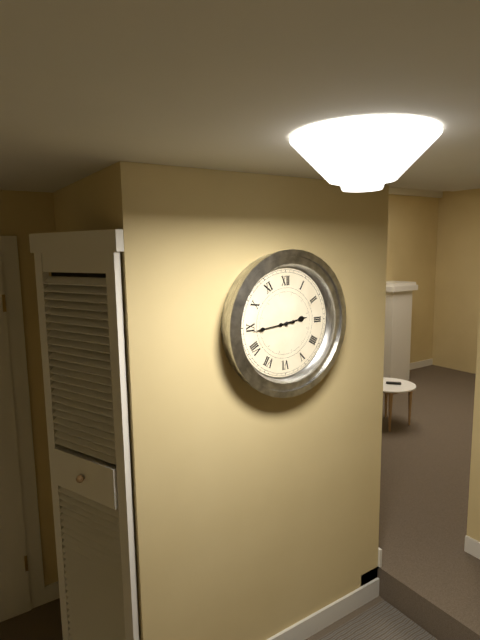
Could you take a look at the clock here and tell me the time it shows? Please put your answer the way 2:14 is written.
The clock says 2:44
